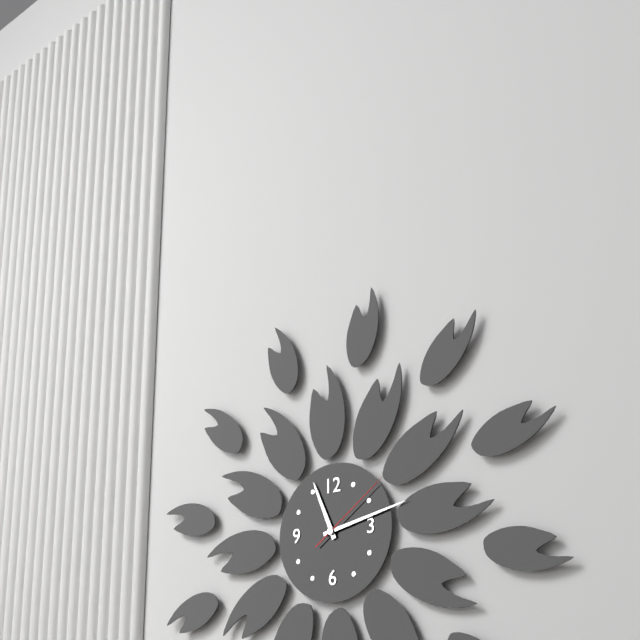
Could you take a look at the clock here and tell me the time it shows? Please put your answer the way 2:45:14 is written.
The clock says 11:13:09
